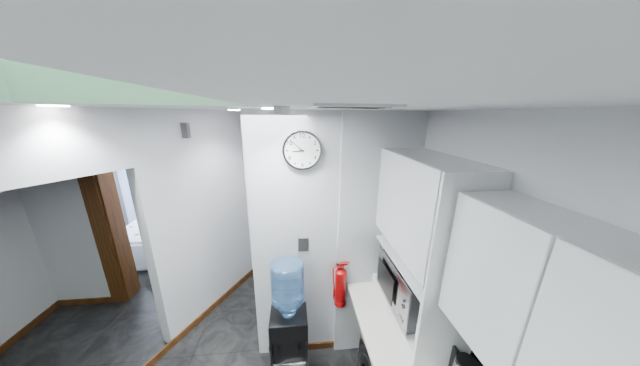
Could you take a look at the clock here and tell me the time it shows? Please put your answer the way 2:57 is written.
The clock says 8:52
